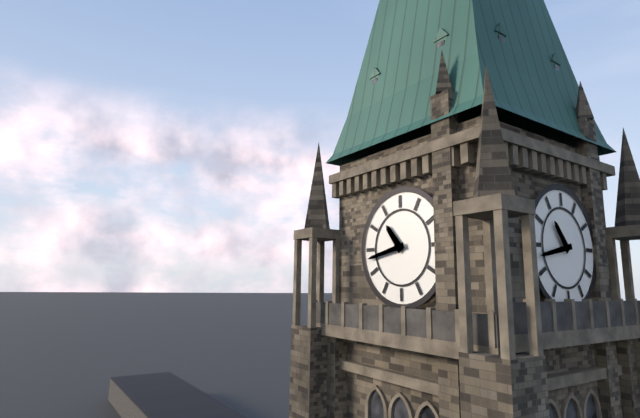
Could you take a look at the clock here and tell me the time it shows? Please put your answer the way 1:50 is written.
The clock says 10:43
